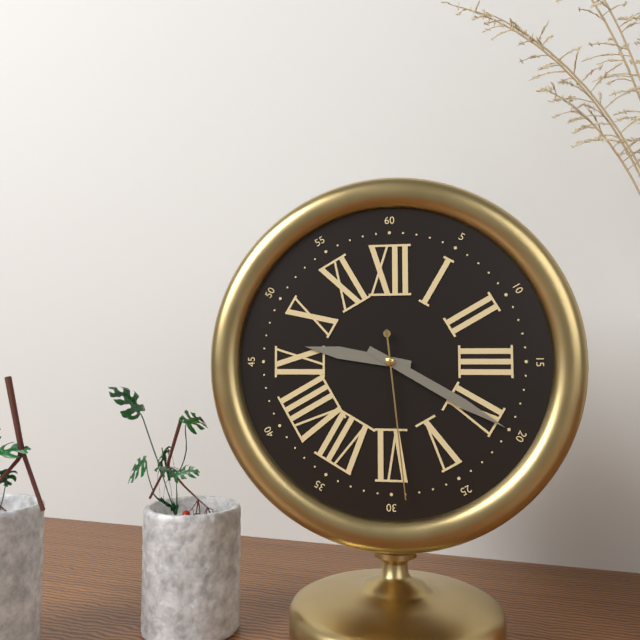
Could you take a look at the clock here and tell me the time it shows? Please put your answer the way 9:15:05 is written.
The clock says 9:20:29
